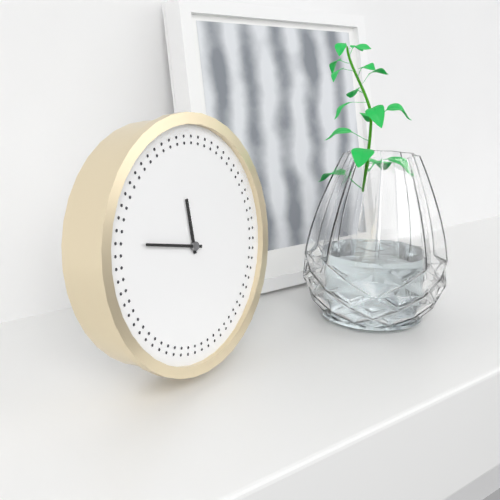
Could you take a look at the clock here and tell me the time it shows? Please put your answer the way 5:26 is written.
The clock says 11:47
